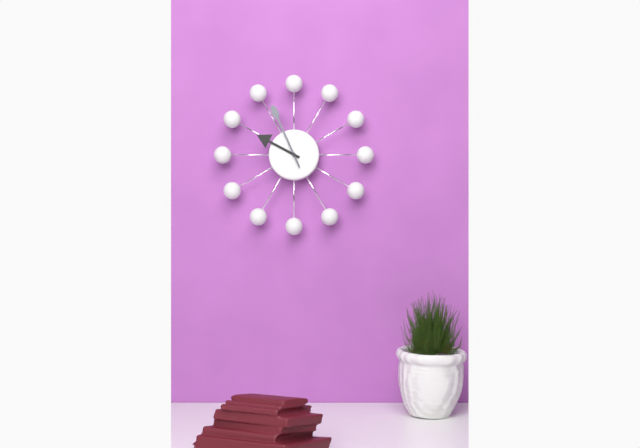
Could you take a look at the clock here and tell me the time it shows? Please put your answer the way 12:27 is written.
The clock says 9:56
